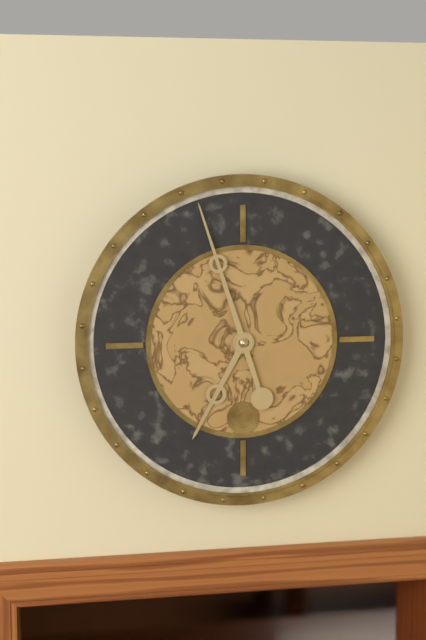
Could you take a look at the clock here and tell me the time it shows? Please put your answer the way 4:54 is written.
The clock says 6:57
